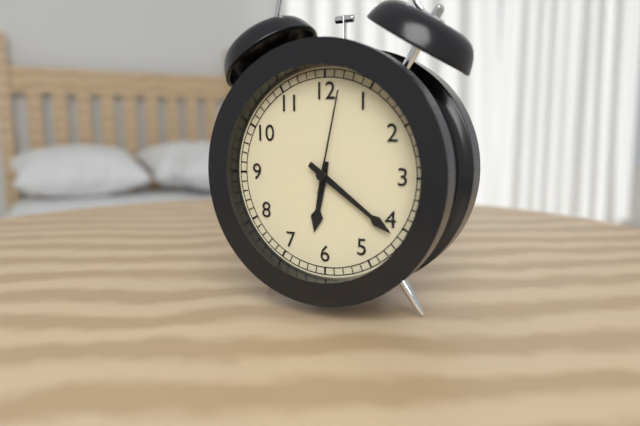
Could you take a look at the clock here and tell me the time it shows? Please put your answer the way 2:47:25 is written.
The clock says 6:21:02
